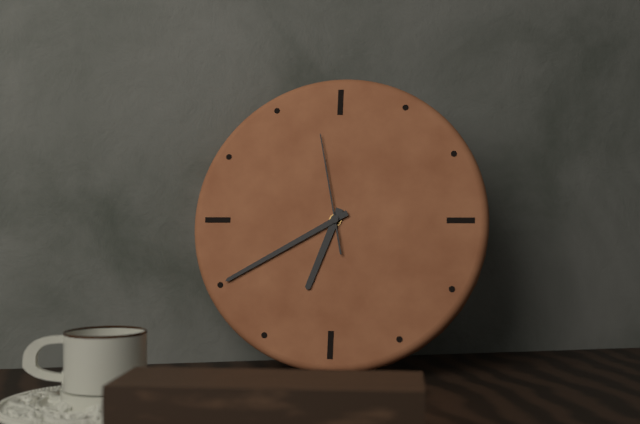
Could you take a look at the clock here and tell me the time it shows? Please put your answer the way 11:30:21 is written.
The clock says 6:40:58
